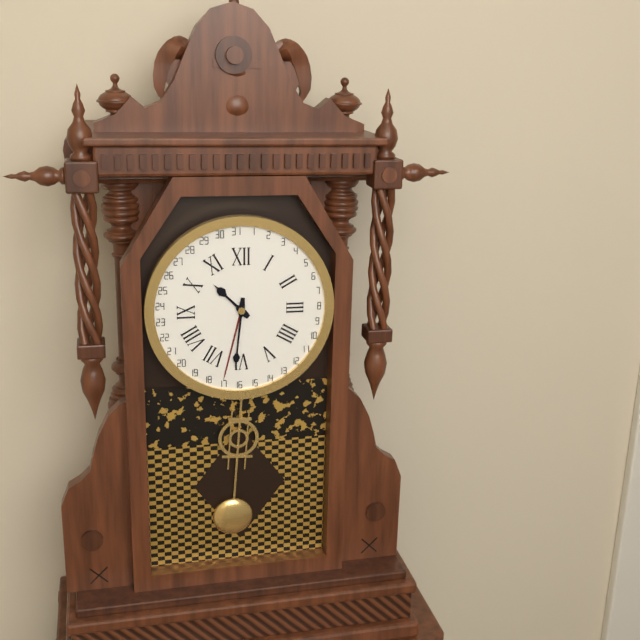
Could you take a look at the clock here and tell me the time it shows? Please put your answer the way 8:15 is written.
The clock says 10:31
